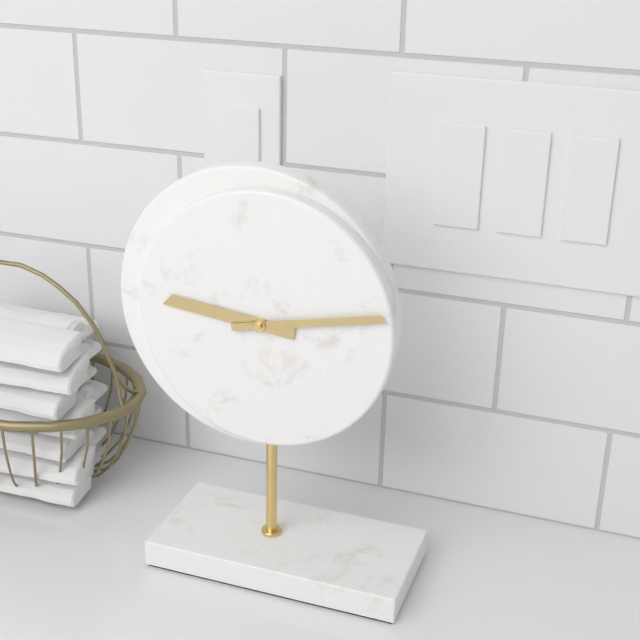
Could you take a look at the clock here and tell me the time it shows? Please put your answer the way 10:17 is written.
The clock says 9:13
